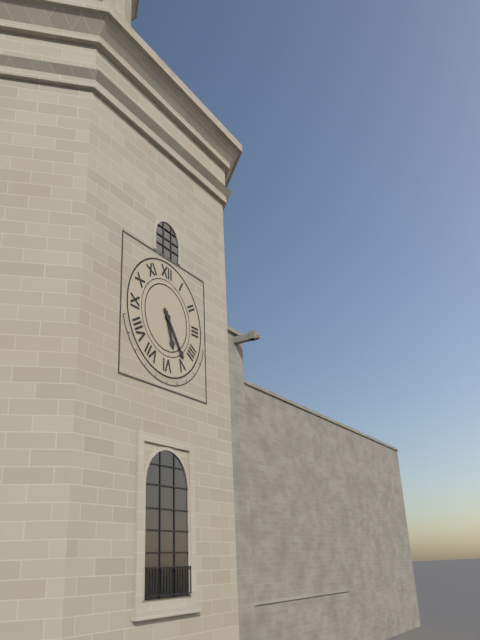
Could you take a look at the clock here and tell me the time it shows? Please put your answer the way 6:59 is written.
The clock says 5:24
